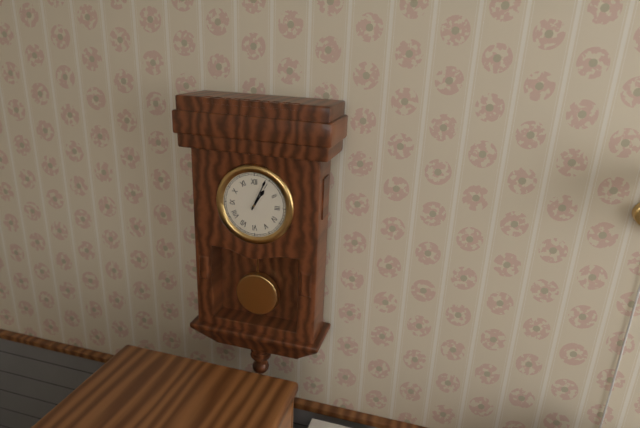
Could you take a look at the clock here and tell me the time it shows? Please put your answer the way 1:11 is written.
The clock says 1:04
